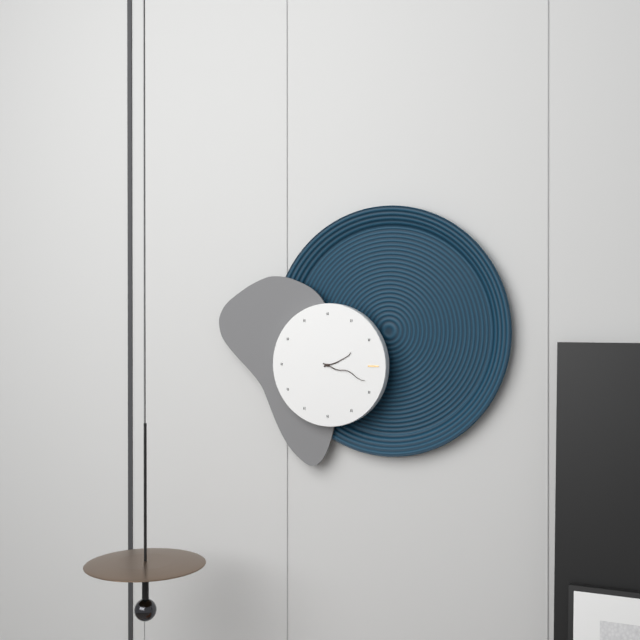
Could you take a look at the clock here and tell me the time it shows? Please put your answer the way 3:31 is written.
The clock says 2:18
